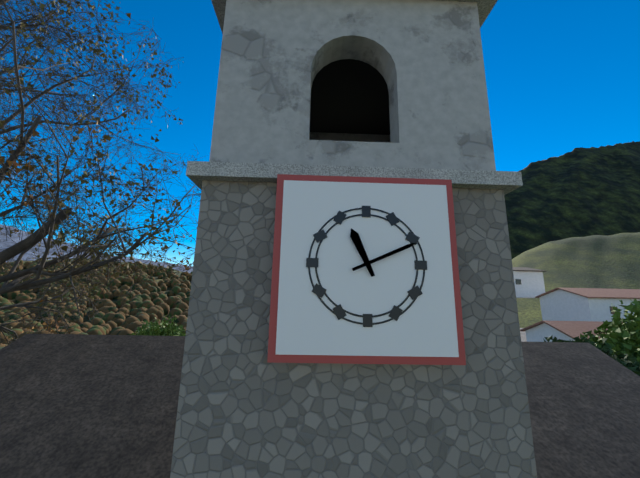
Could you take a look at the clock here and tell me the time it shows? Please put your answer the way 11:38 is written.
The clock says 11:11
